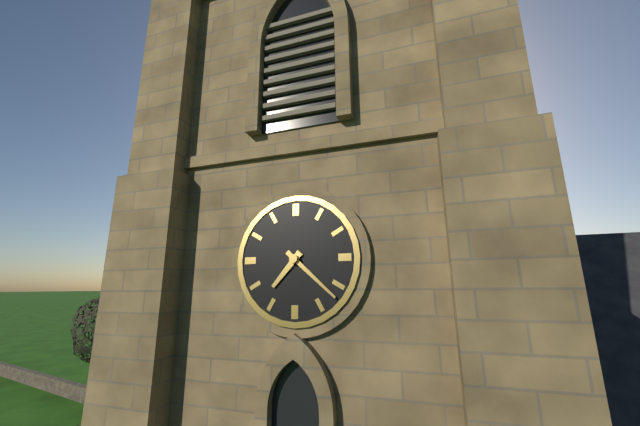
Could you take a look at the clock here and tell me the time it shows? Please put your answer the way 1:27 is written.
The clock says 7:22
